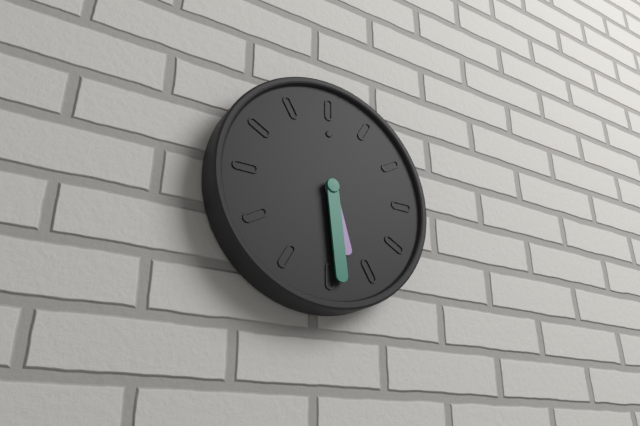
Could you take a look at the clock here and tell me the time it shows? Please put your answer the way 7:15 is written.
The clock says 5:29
